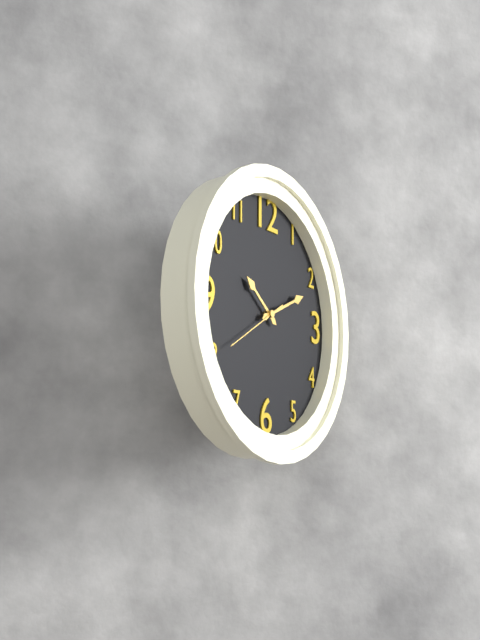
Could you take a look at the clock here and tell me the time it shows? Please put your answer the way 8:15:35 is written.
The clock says 10:11:40
